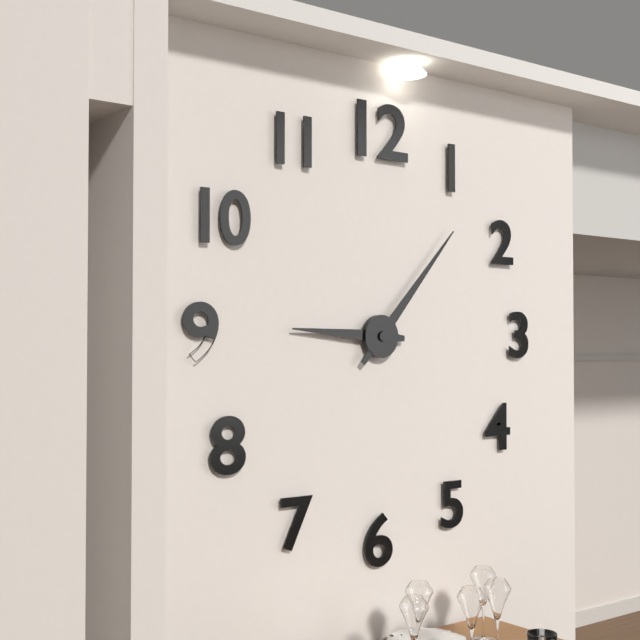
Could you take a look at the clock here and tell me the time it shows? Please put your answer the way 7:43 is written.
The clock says 9:07
